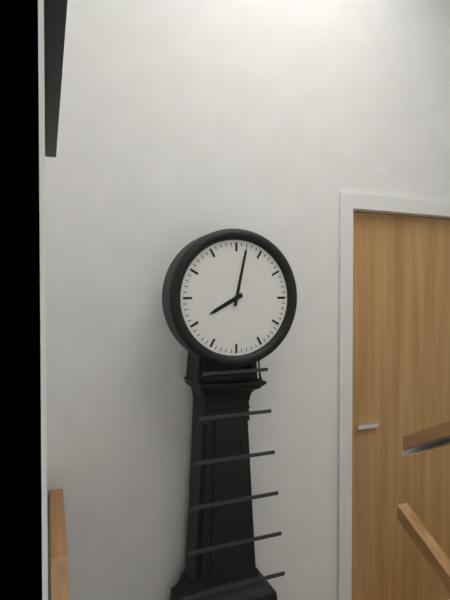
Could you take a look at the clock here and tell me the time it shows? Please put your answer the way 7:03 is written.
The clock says 8:02
